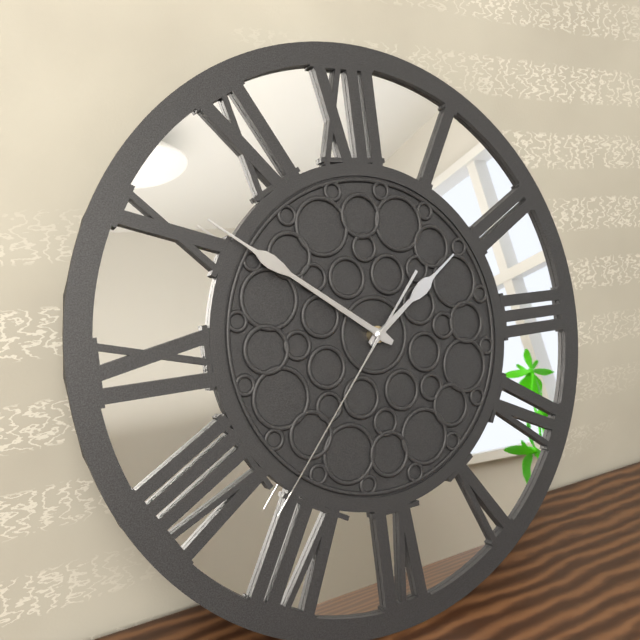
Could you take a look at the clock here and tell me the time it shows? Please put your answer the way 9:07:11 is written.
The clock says 1:51:37
